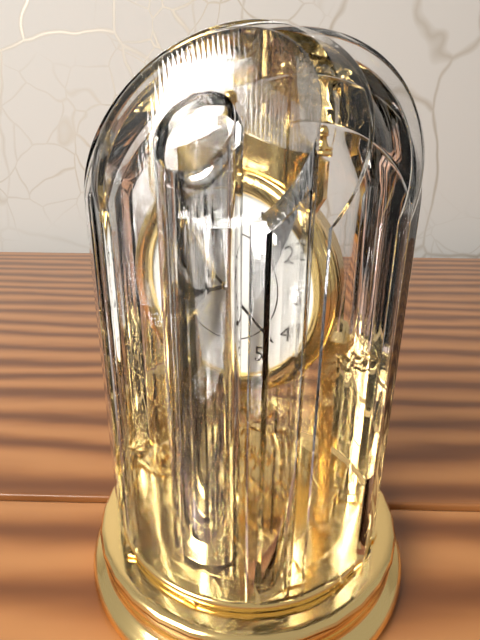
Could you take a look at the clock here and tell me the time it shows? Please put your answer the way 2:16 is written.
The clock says 8:22
